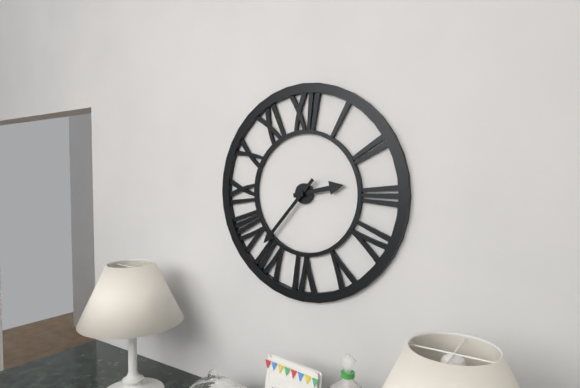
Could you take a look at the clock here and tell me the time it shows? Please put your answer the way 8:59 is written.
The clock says 2:37
